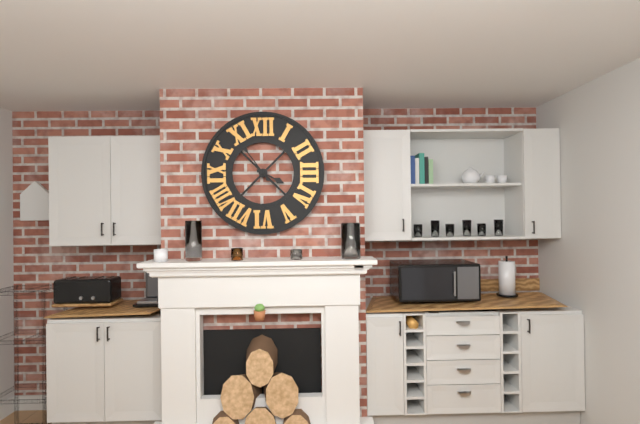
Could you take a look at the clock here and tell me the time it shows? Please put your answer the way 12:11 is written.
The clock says 3:54
